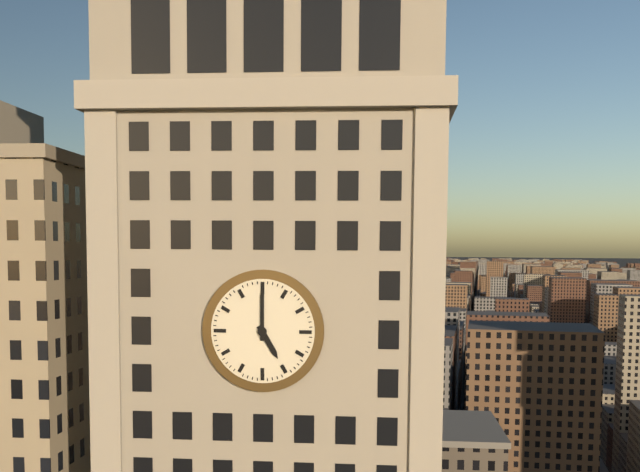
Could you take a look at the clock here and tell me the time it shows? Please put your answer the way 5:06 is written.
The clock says 5:00
